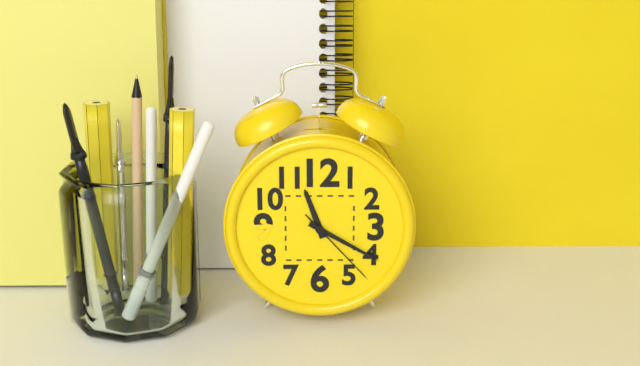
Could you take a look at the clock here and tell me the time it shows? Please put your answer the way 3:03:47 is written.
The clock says 11:20:23
